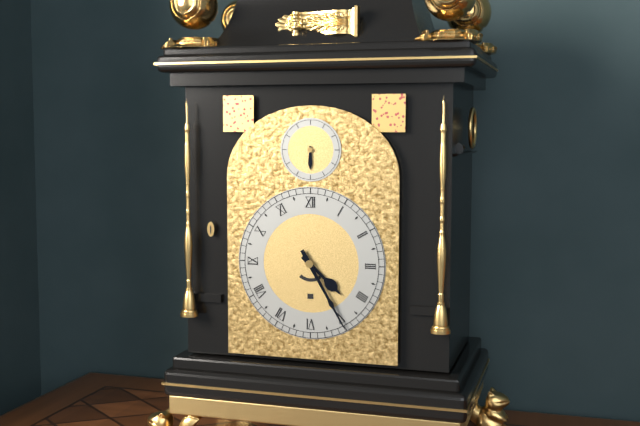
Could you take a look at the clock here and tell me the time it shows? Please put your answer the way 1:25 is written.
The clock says 4:25
